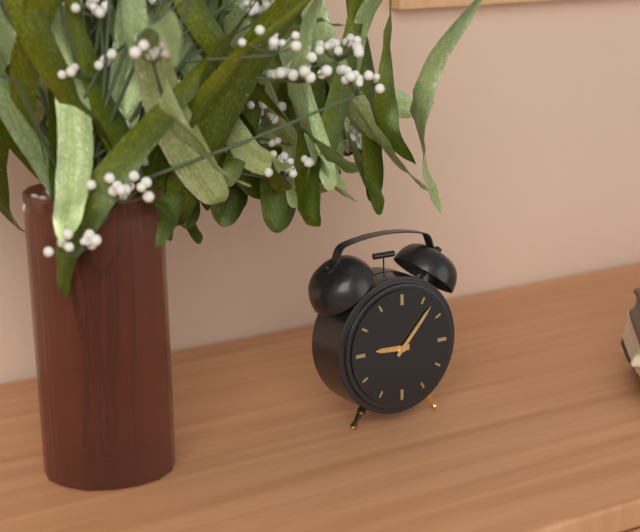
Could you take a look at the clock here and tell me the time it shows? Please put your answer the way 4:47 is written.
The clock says 9:07
